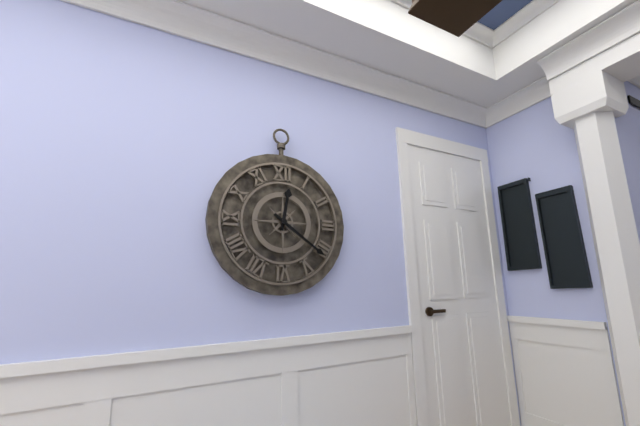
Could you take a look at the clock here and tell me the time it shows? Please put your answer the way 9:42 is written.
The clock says 12:21
